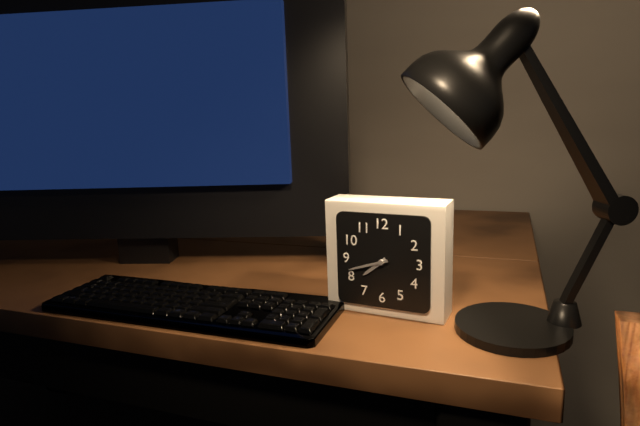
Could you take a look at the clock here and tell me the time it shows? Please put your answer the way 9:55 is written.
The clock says 7:42
